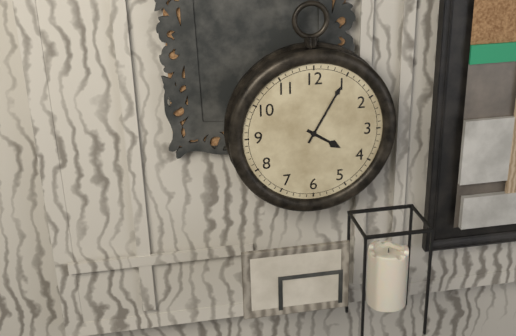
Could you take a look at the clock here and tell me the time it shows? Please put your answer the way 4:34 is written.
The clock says 4:05
